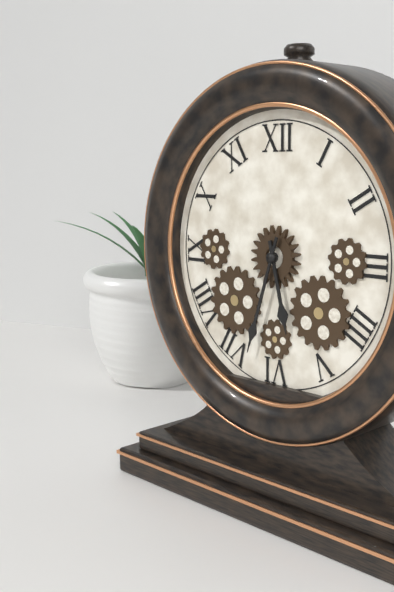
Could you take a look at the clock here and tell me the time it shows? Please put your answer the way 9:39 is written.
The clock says 5:33
